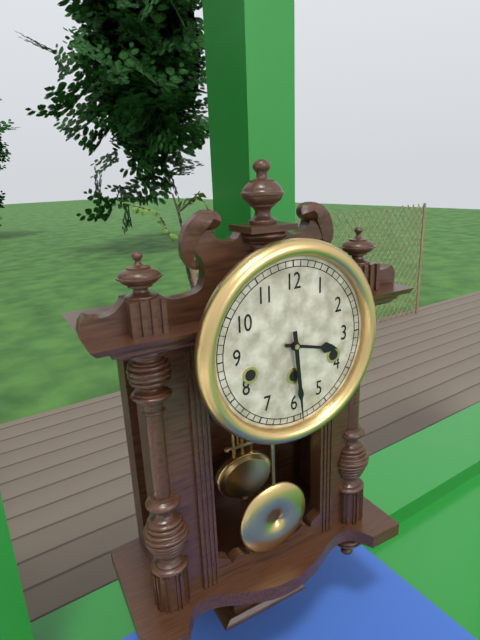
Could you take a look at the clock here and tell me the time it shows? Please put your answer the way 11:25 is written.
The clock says 3:29
